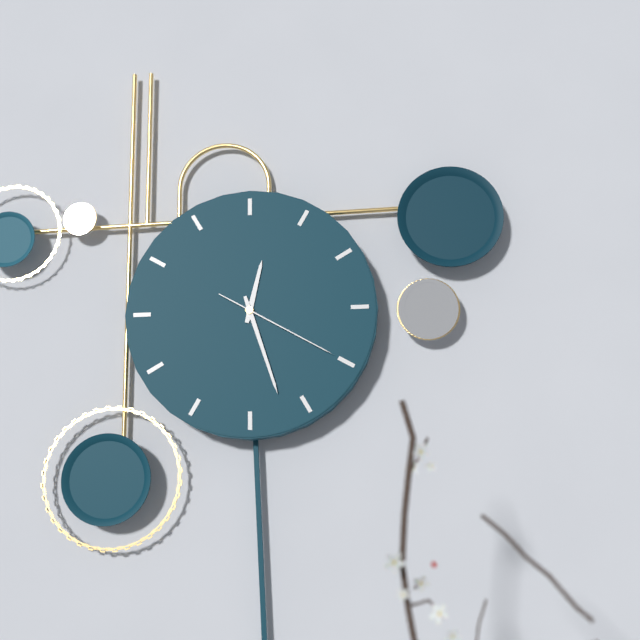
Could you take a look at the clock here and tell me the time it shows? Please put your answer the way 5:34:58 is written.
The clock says 12:27:20
